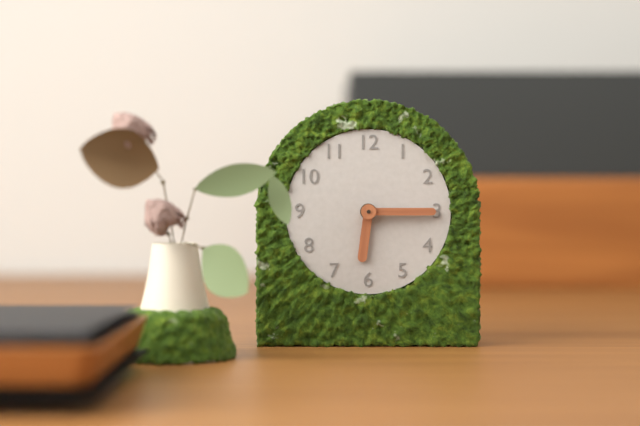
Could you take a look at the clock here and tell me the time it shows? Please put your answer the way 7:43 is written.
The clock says 6:15
